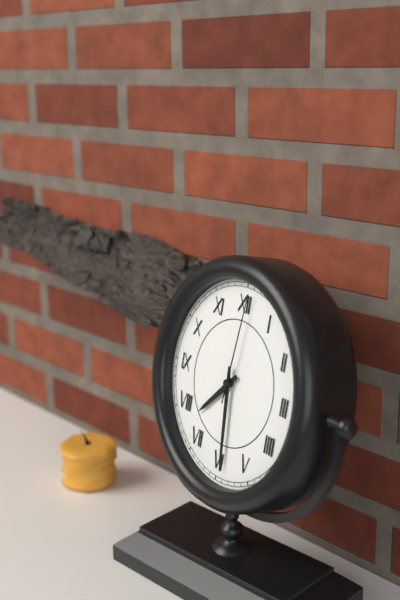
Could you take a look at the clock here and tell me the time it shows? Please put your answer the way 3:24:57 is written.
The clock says 7:29:01
